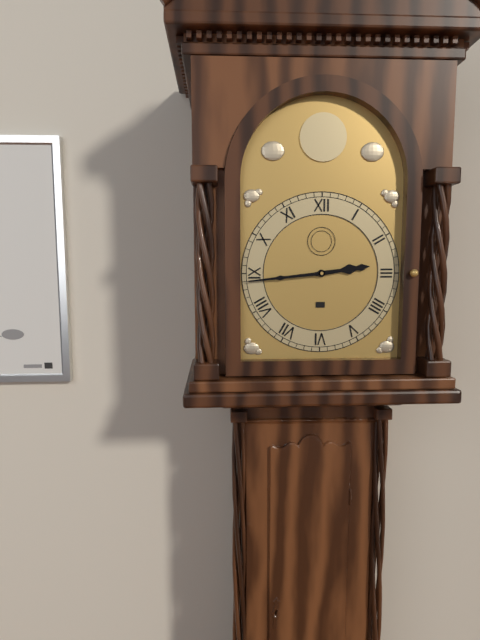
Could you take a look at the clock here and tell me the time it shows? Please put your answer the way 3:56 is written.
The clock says 2:44
